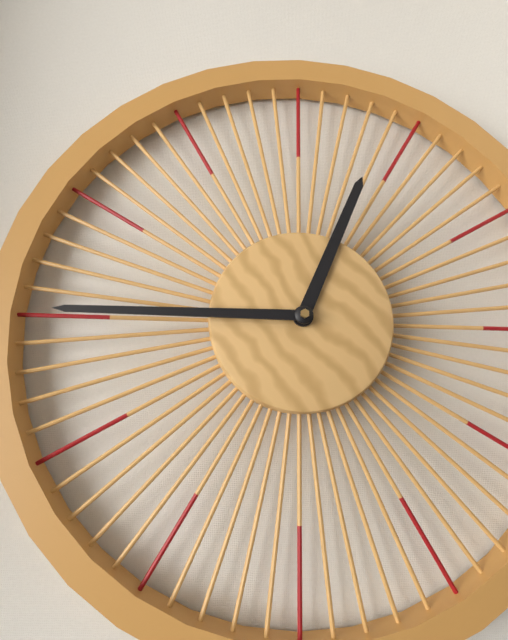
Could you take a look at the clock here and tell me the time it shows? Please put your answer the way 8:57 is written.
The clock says 12:45
